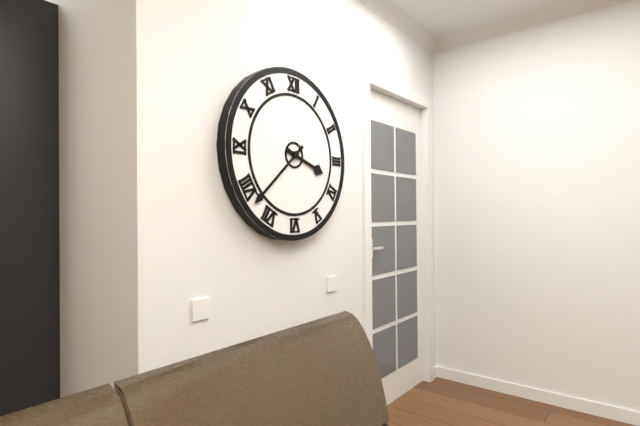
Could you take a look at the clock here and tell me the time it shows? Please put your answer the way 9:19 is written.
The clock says 3:38
